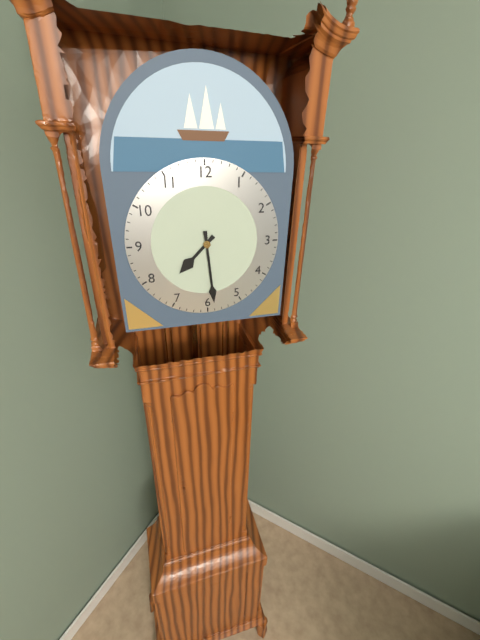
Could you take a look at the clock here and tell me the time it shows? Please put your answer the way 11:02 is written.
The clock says 7:29
